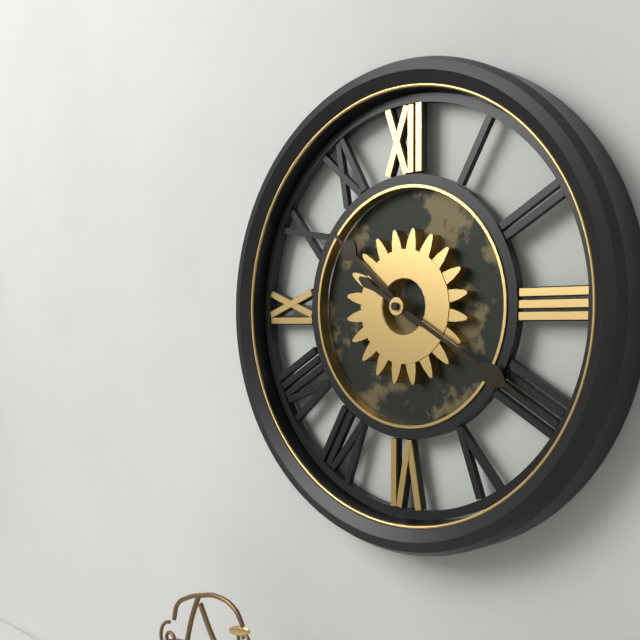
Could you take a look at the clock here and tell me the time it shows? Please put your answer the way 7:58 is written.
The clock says 10:20
